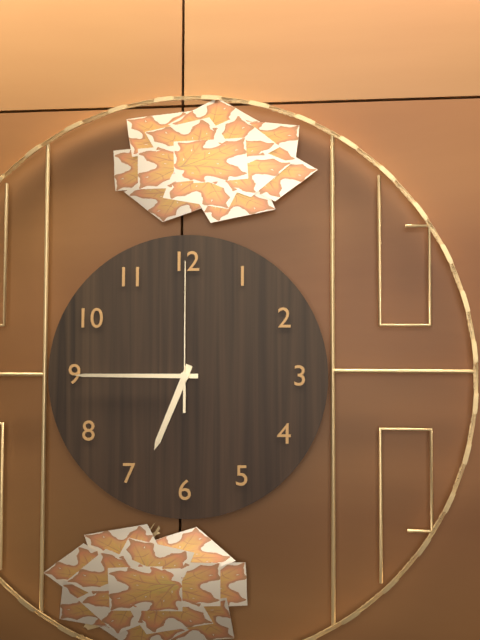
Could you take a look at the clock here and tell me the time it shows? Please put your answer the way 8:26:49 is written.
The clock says 6:45:00
